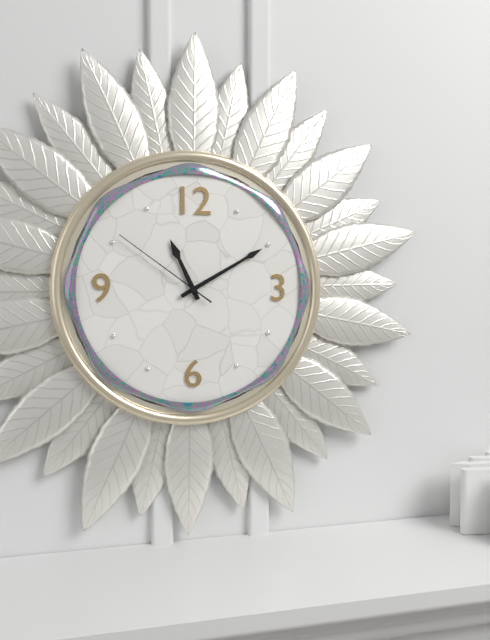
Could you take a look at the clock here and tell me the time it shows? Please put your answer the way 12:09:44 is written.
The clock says 11:10:51
